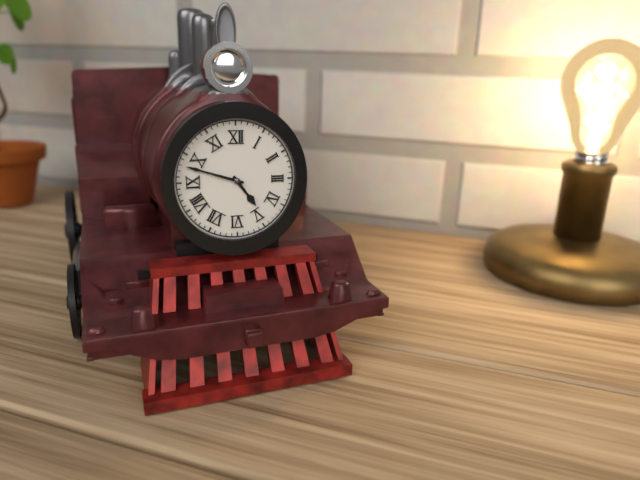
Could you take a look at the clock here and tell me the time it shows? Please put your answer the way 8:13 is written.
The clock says 4:48
